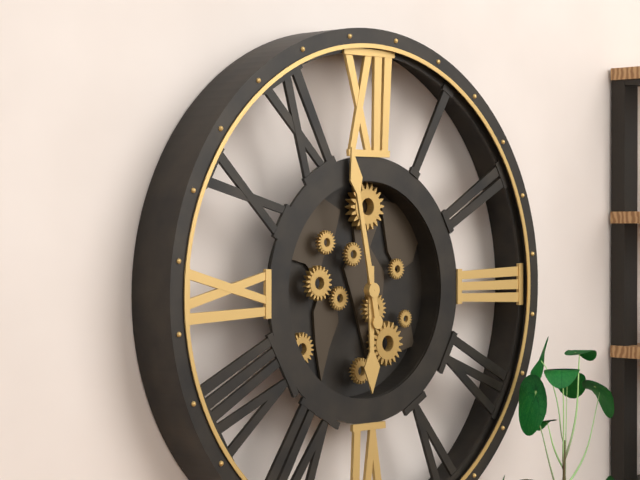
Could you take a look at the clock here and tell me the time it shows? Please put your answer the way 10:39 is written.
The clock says 5:58
